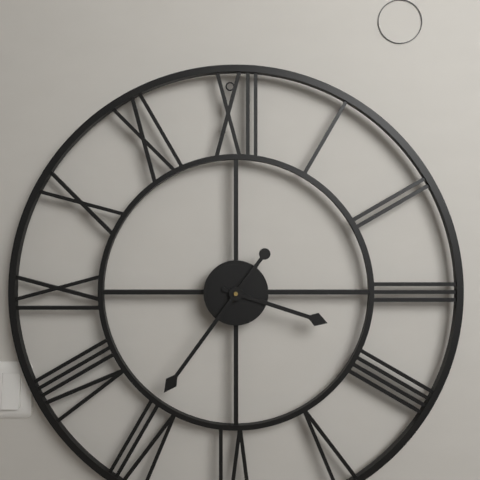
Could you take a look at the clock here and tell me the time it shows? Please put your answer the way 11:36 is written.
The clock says 3:36
